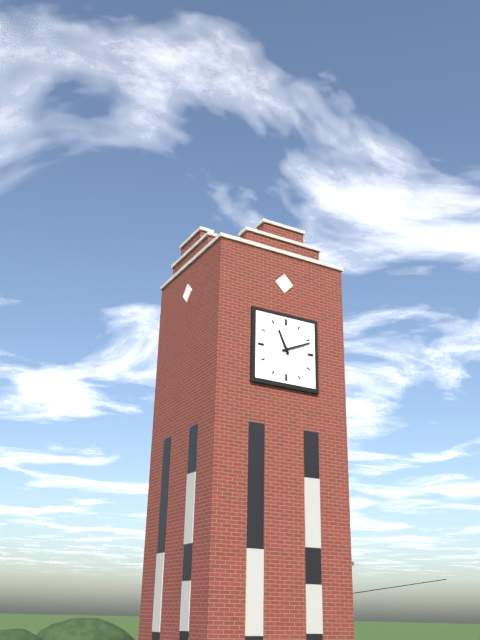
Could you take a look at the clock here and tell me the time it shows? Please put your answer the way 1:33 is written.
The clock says 11:11
